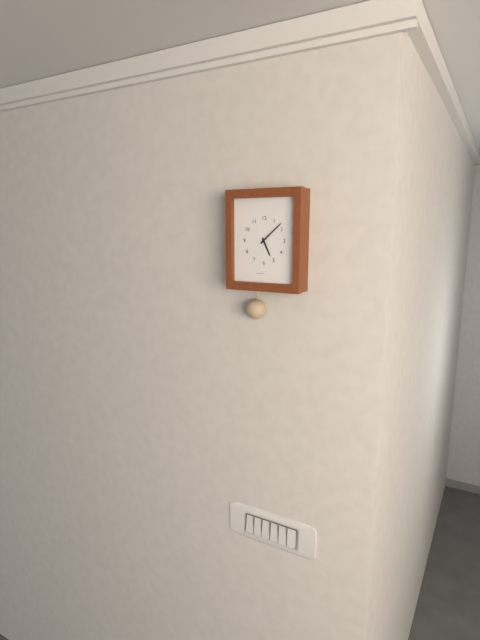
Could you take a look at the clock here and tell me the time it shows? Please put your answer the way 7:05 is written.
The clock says 5:08
